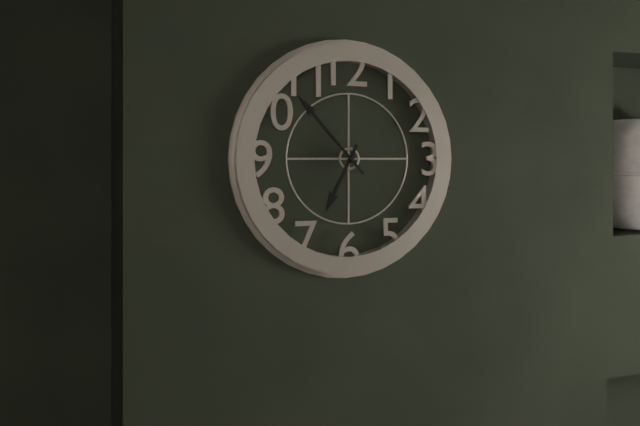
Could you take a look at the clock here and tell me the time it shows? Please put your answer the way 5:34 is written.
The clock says 6:53
